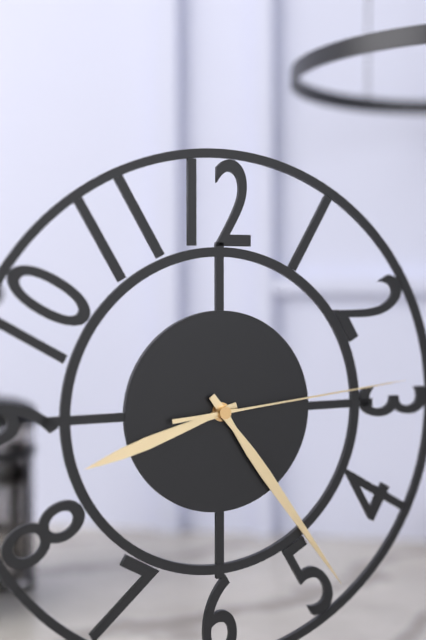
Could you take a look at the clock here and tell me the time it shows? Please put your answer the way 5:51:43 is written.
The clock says 8:24:14
